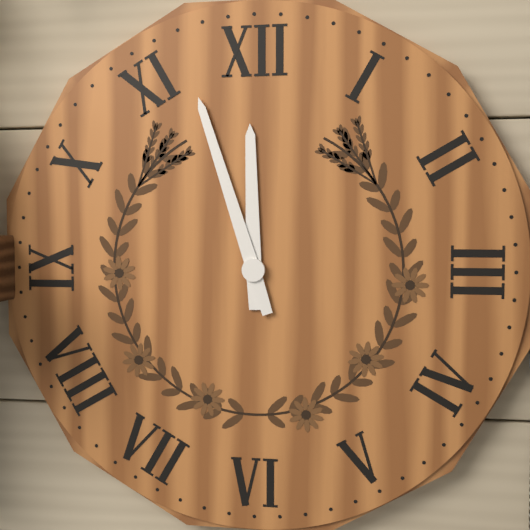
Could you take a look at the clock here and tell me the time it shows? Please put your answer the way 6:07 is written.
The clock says 11:57
